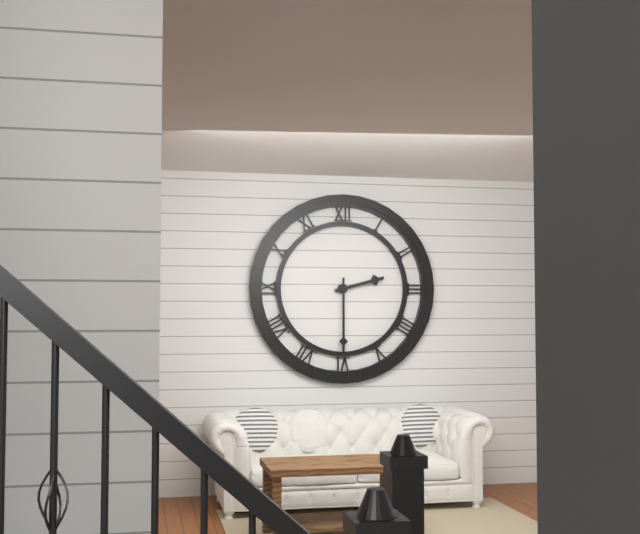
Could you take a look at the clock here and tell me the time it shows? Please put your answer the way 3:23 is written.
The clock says 2:30
